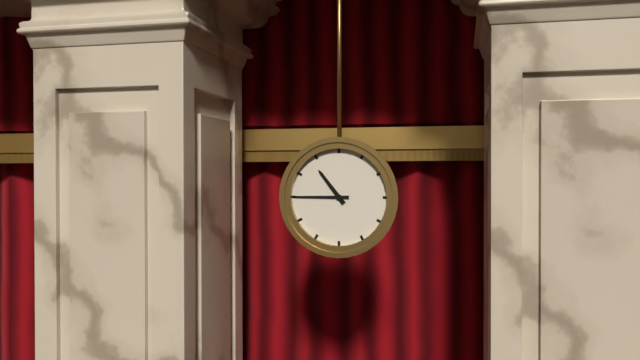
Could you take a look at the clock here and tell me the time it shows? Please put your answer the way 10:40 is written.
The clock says 10:45
